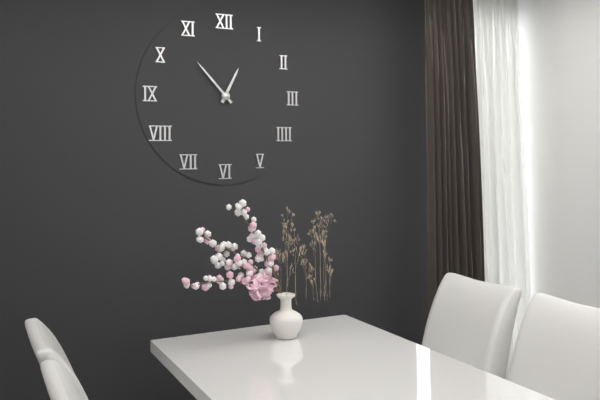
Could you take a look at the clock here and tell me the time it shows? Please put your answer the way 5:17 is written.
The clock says 12:53
